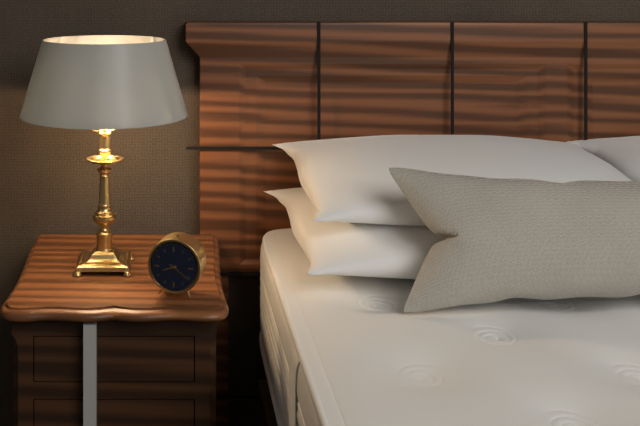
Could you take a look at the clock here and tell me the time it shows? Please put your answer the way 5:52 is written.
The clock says 8:21
